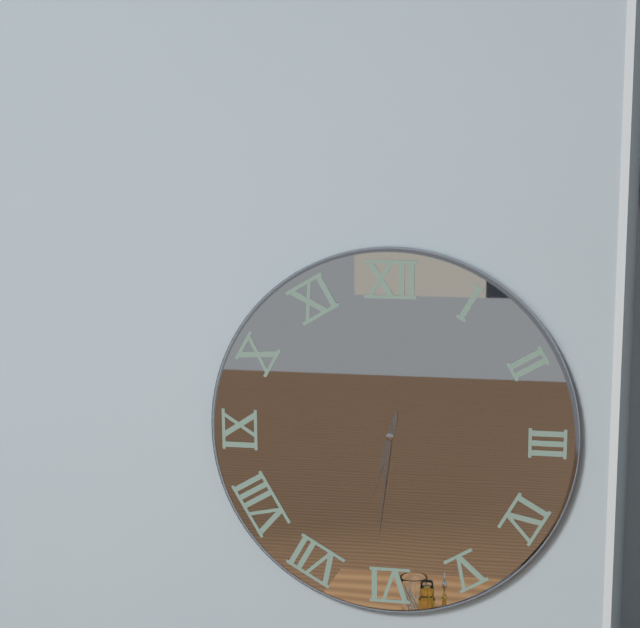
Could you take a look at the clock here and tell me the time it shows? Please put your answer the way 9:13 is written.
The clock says 6:31
